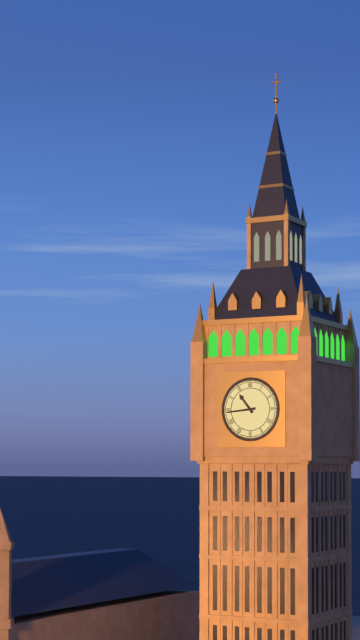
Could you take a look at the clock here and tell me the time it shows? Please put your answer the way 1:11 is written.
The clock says 10:44
